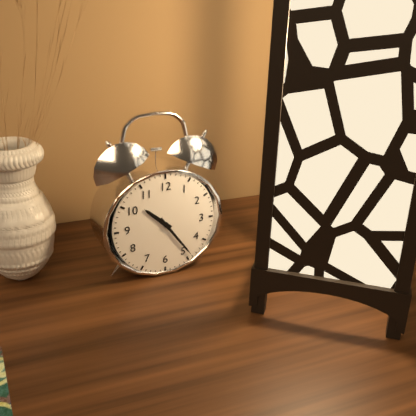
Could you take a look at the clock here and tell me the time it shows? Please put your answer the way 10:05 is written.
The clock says 10:24
